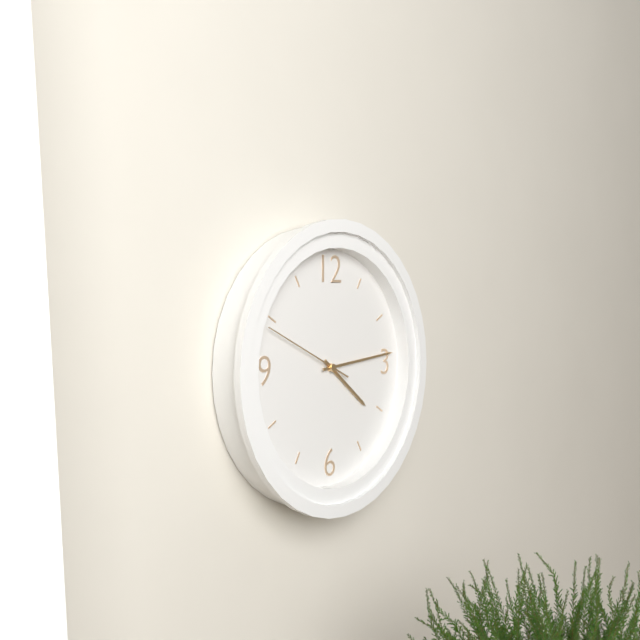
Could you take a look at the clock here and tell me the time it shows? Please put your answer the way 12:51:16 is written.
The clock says 4:14:49
